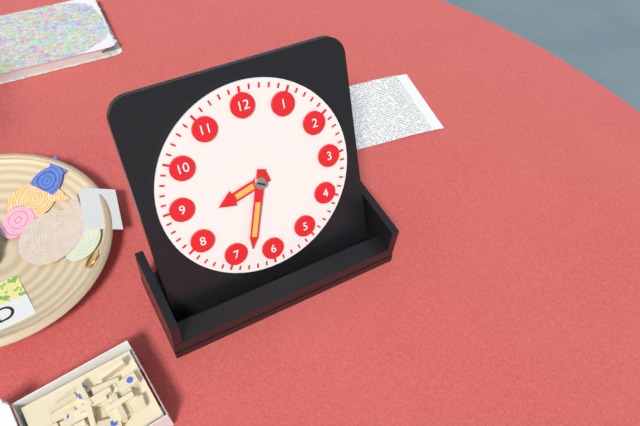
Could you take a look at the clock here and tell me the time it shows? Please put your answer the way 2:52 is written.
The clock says 8:33
